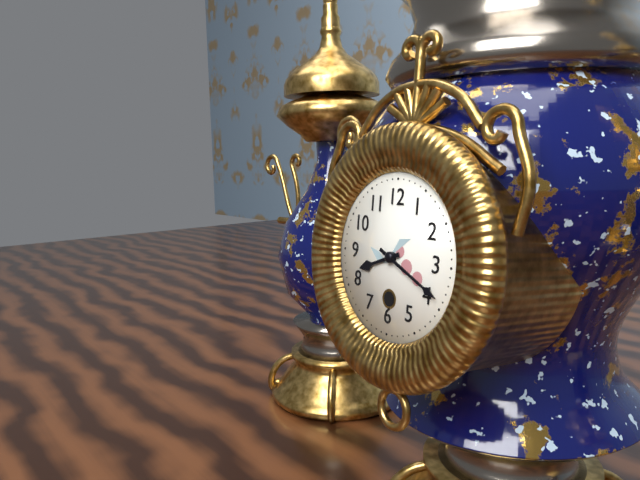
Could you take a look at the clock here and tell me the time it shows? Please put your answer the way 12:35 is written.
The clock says 8:19
